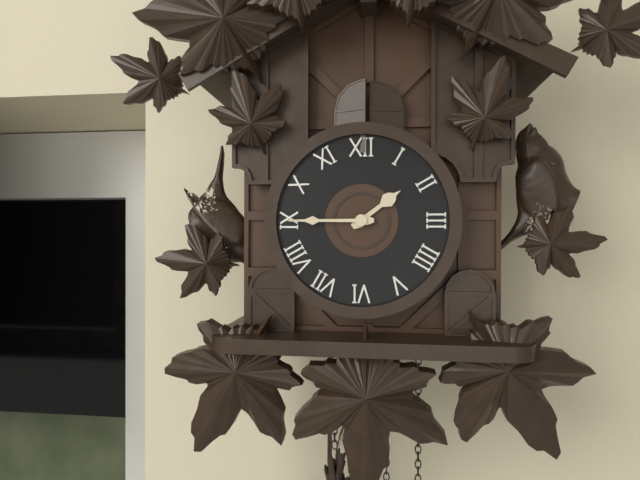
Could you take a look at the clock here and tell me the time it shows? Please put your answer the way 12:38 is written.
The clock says 1:45
